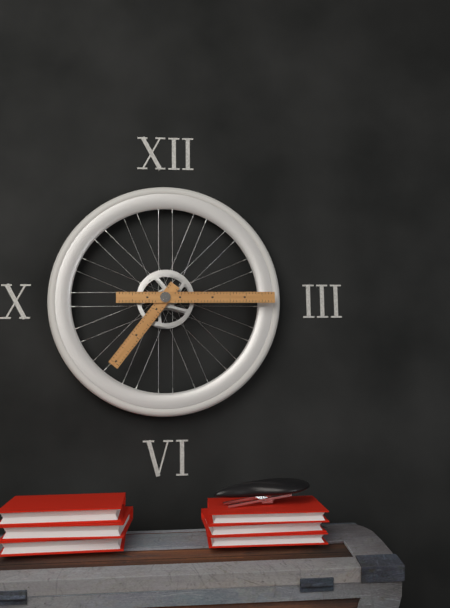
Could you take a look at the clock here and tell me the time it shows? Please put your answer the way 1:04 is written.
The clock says 7:15
